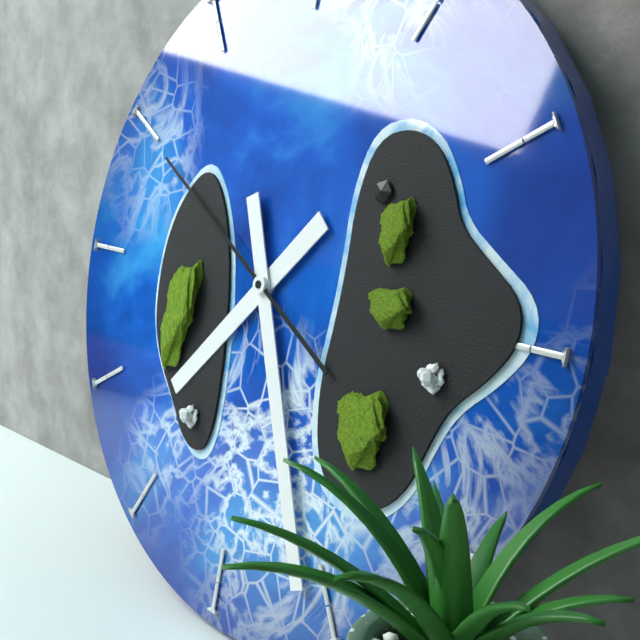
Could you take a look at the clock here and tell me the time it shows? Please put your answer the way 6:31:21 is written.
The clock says 7:26:50
